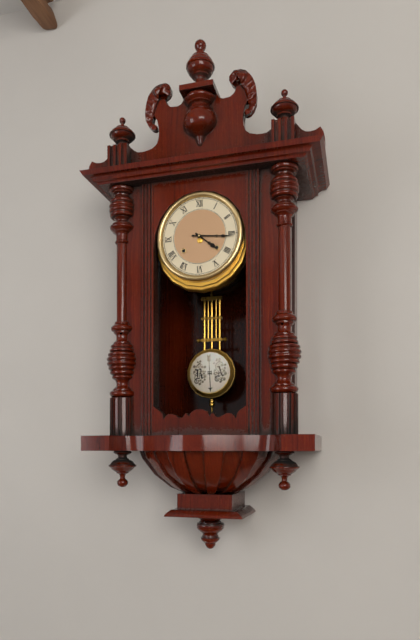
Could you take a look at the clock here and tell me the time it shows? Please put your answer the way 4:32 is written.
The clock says 4:16
